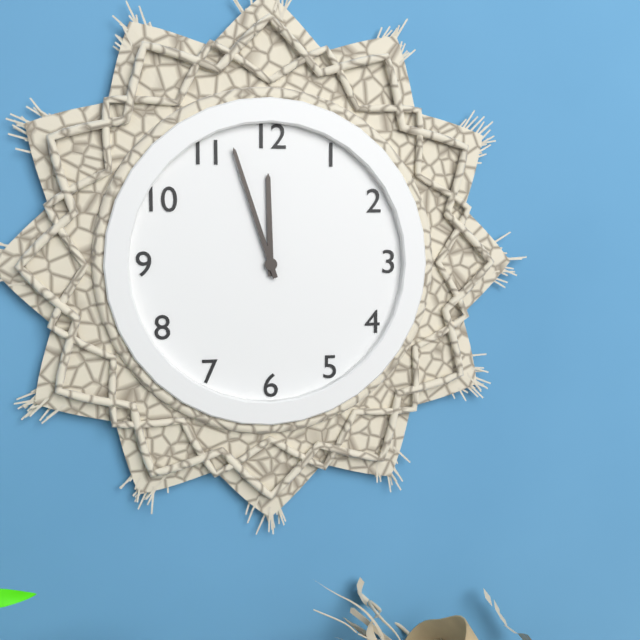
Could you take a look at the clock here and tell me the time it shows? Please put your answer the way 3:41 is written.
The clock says 11:57
